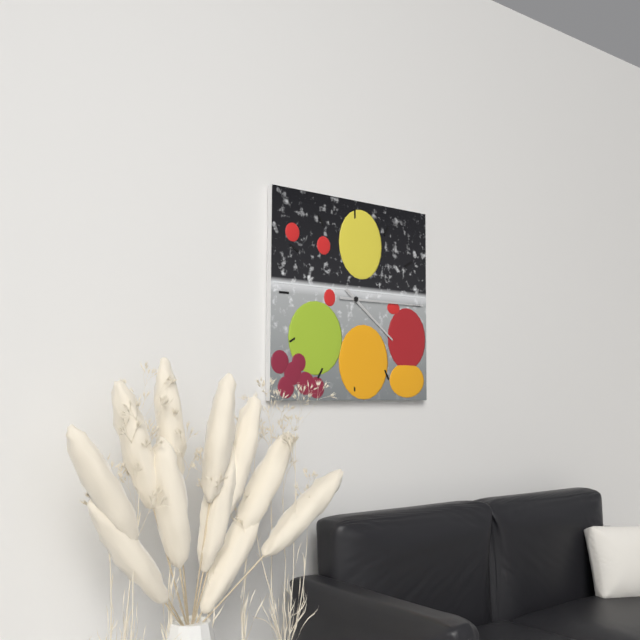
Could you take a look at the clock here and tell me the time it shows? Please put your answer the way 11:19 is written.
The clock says 4:15
